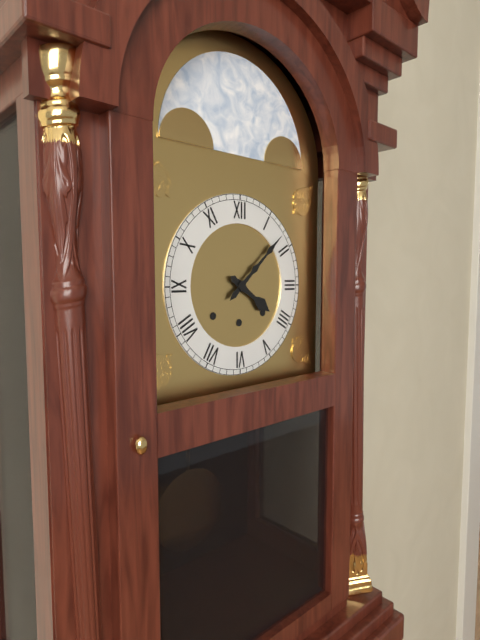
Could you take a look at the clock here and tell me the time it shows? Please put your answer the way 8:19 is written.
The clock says 4:08
